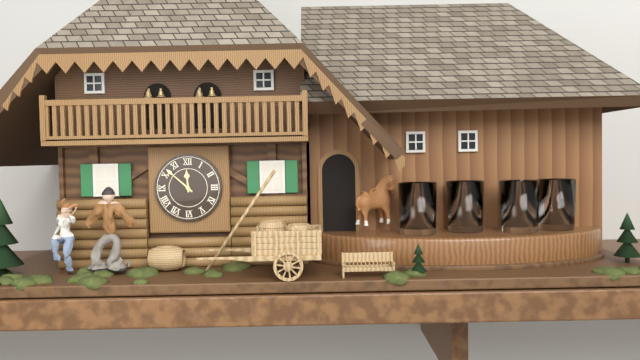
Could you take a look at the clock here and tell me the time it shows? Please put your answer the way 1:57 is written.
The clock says 11:52
